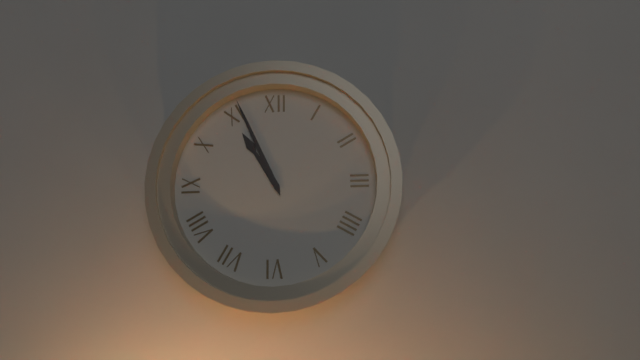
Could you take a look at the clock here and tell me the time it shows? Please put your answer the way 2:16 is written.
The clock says 10:56
